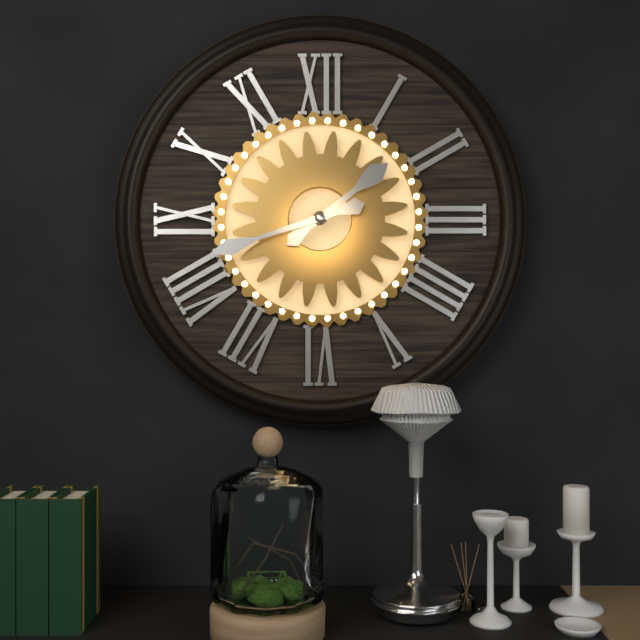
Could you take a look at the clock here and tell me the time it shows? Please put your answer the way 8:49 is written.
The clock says 1:42
